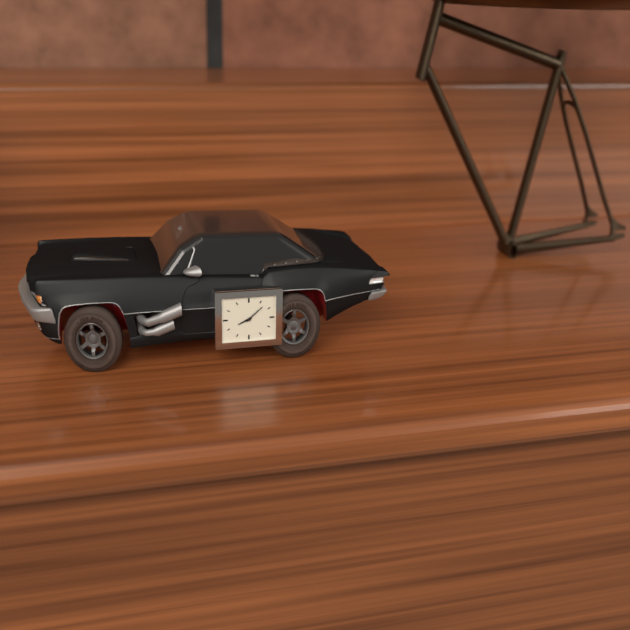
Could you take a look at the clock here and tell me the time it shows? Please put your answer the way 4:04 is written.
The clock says 8:08
